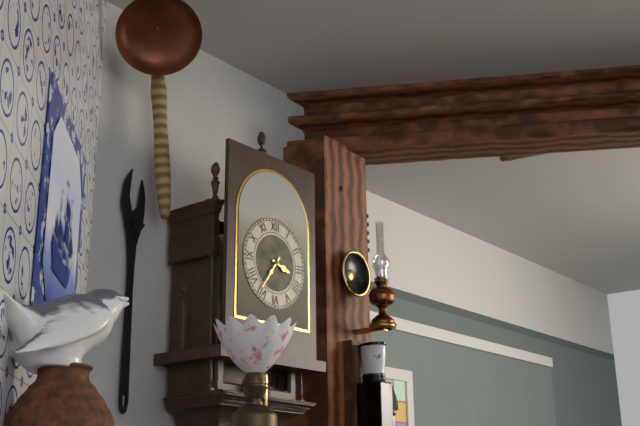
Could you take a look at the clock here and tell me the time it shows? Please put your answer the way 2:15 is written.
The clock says 3:36
